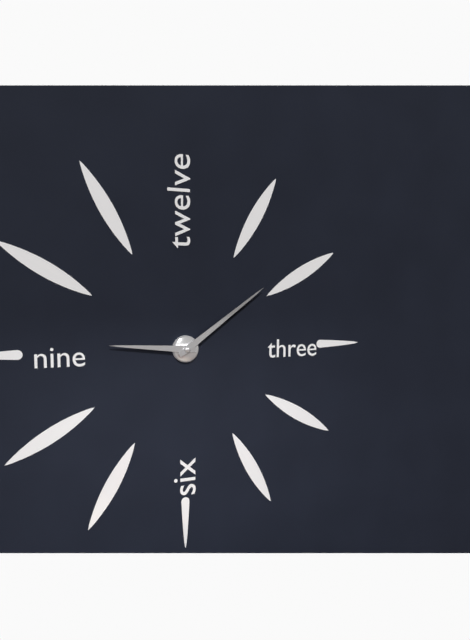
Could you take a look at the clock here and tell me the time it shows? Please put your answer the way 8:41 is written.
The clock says 9:09
